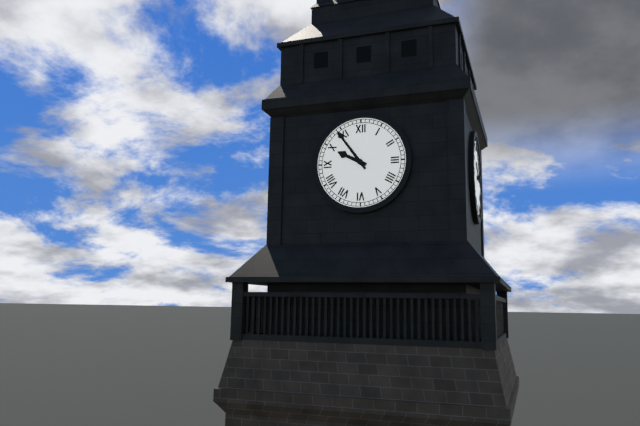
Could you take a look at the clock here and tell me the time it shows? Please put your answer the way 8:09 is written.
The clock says 9:54
